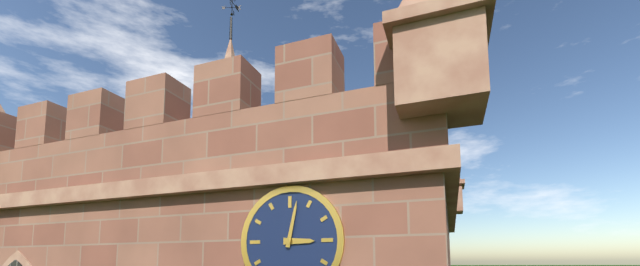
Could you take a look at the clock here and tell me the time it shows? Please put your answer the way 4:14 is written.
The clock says 3:02
